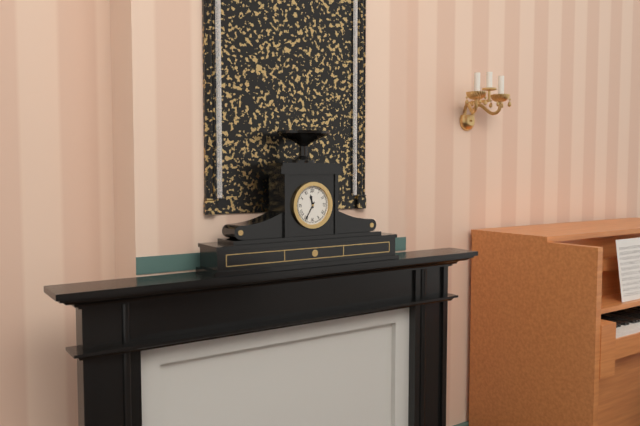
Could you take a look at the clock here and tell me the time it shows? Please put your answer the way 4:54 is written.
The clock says 11:35
